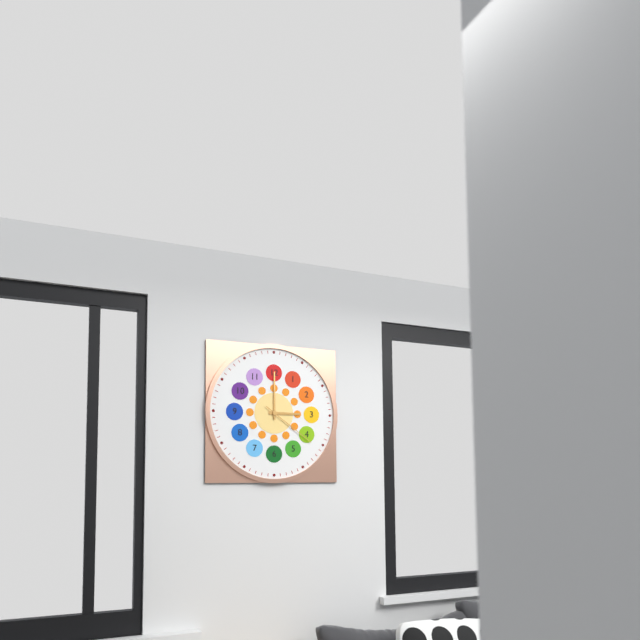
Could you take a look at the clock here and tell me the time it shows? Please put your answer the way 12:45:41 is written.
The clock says 3:00:21
